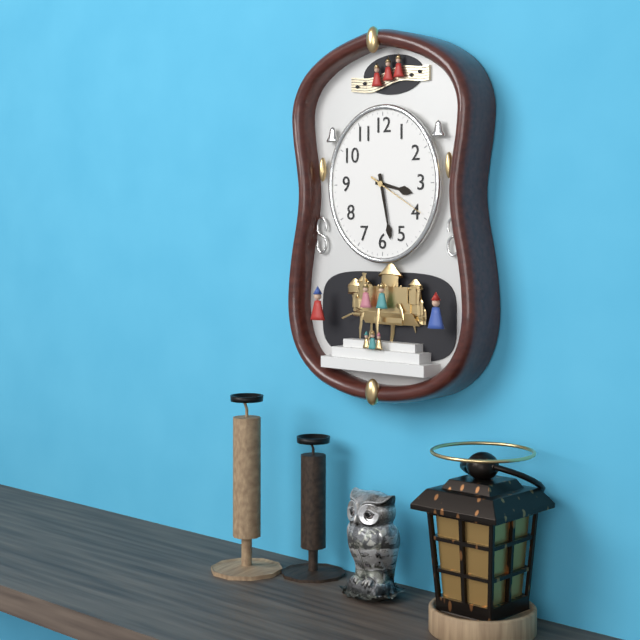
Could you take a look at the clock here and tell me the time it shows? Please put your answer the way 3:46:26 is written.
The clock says 3:28:20
